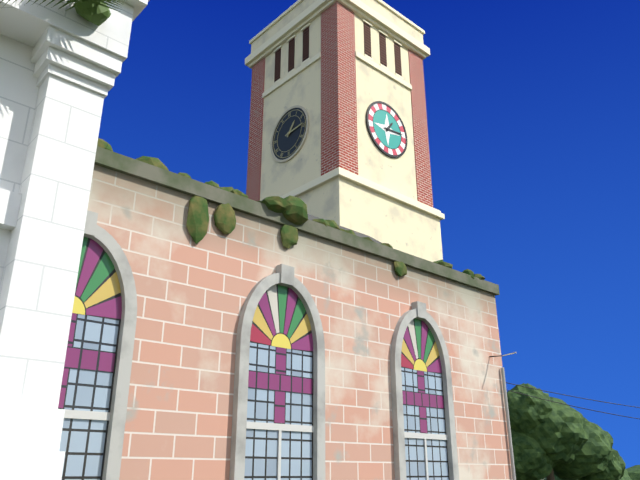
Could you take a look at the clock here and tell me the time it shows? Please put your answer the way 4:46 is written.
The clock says 1:14
